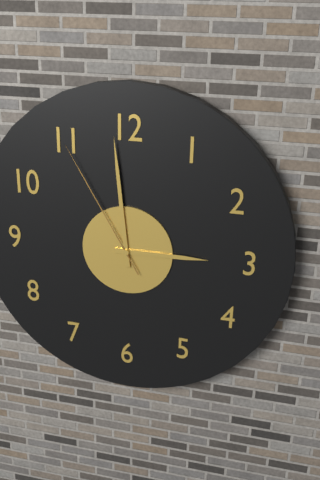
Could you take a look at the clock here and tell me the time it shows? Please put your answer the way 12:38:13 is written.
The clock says 2:59:55
